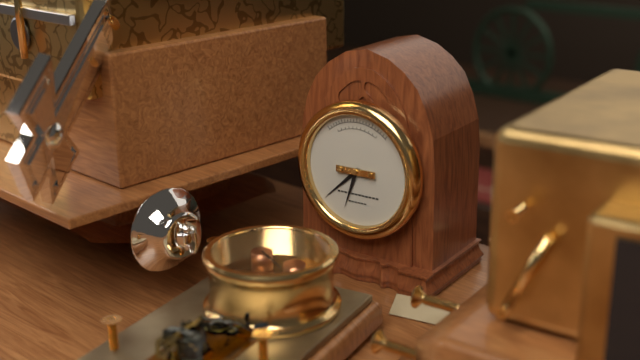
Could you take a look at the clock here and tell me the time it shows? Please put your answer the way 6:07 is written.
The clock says 6:38
